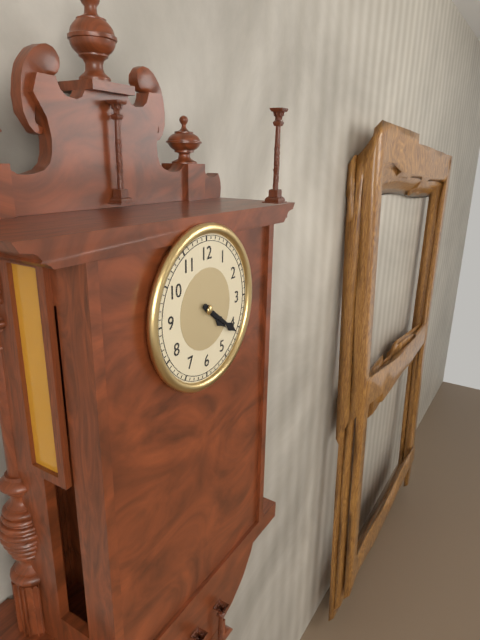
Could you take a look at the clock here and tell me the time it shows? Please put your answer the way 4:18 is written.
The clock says 4:21
